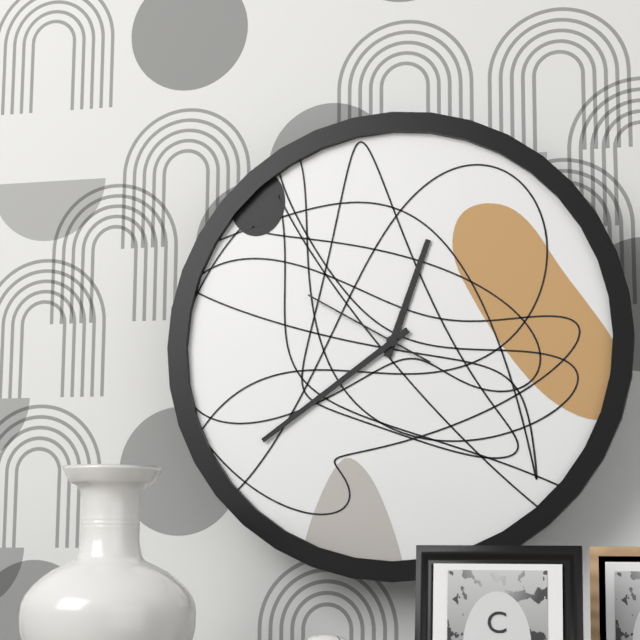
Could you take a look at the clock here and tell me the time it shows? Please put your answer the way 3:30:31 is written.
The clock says 12:39:50
